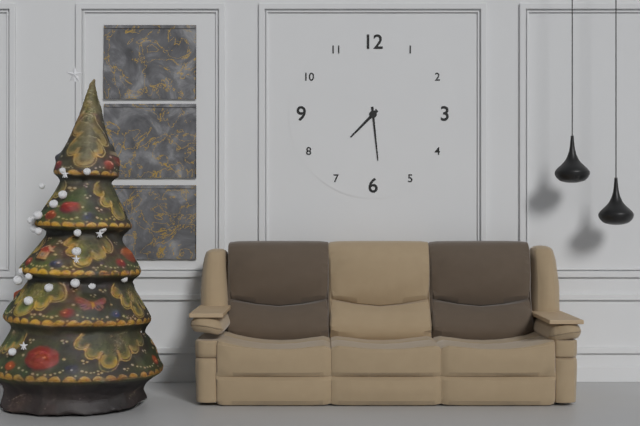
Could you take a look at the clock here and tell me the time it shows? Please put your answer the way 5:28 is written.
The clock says 7:29
